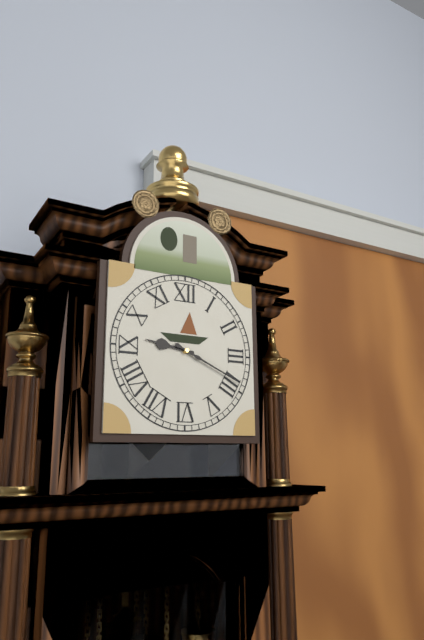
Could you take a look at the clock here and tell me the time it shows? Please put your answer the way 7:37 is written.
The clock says 9:19
